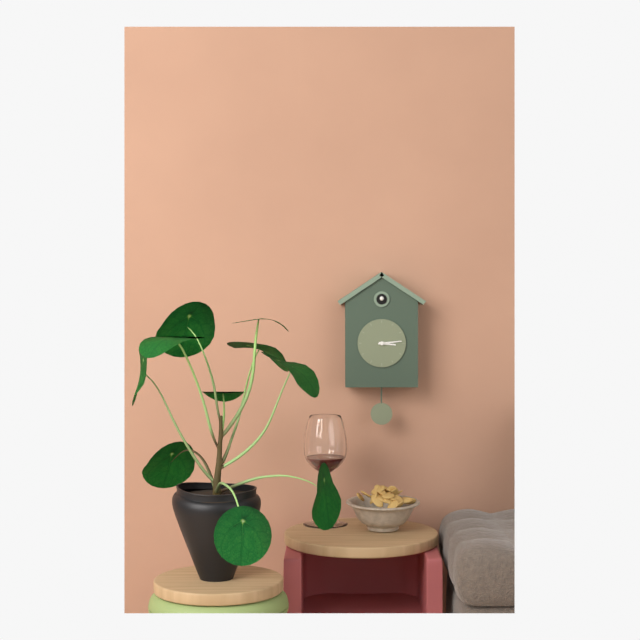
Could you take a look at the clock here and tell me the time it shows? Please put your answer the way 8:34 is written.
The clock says 3:14
